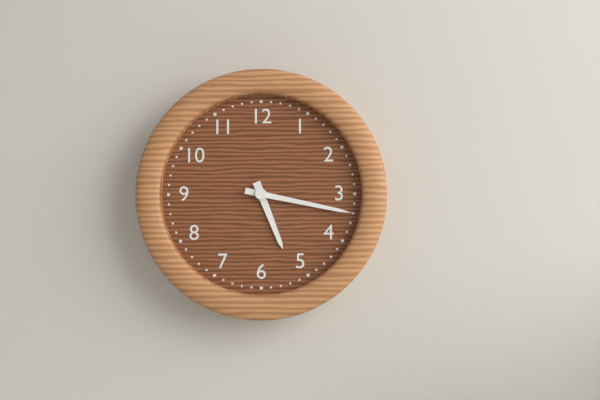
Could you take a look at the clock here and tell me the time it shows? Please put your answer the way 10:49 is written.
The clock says 5:17
